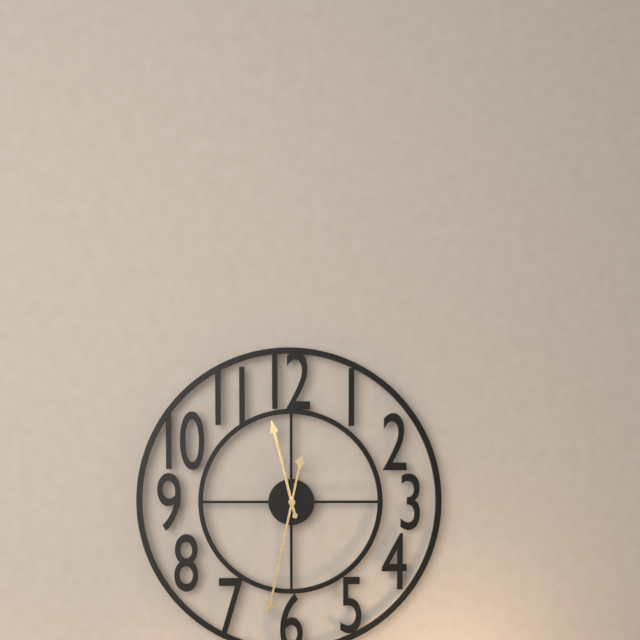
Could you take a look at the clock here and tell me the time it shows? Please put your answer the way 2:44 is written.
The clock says 11:32
